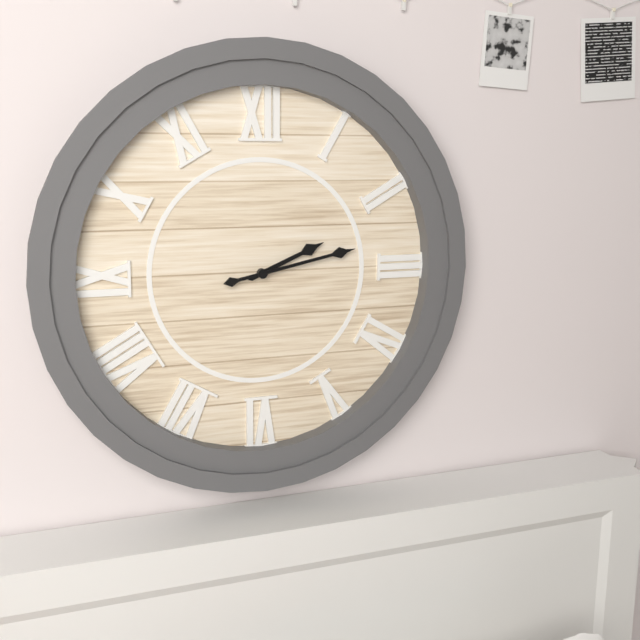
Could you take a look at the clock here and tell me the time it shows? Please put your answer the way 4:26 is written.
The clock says 2:13
